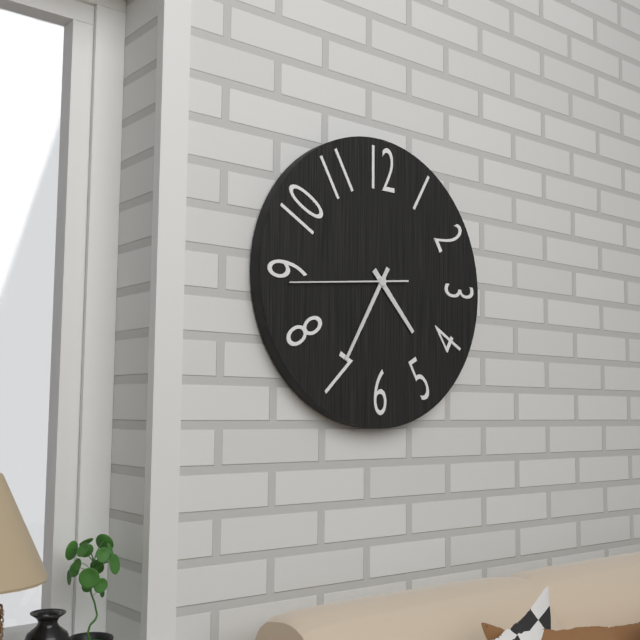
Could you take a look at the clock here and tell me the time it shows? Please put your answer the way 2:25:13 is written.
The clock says 4:35:44
